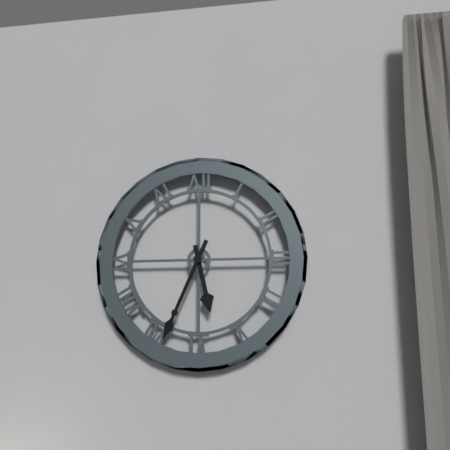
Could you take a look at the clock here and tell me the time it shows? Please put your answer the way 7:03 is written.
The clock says 5:34
